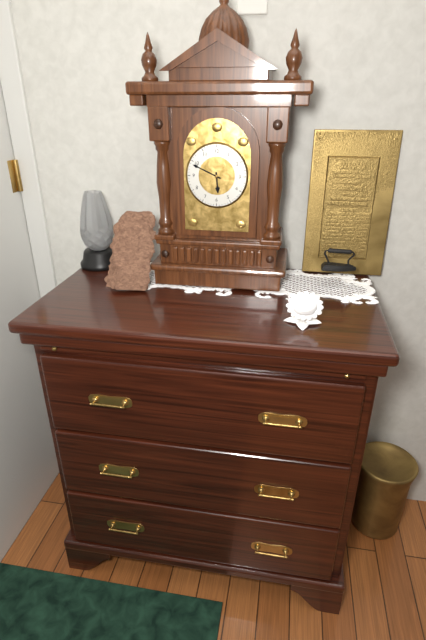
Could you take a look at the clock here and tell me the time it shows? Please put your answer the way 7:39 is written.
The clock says 5:49
